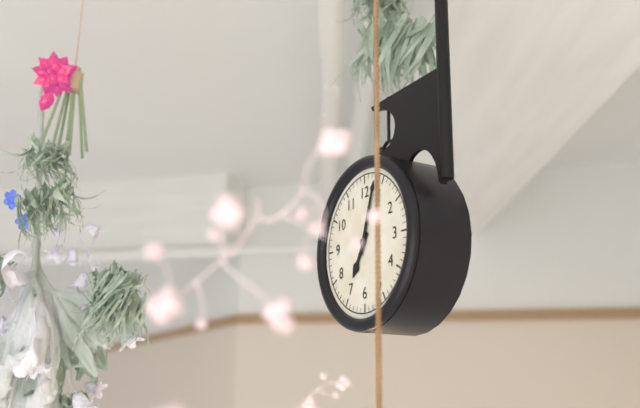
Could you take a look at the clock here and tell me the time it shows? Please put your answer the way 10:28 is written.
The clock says 7:03
